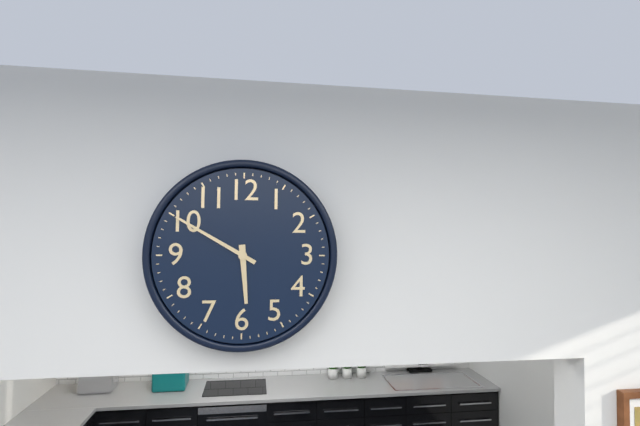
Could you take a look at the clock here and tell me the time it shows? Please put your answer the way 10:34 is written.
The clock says 5:50
